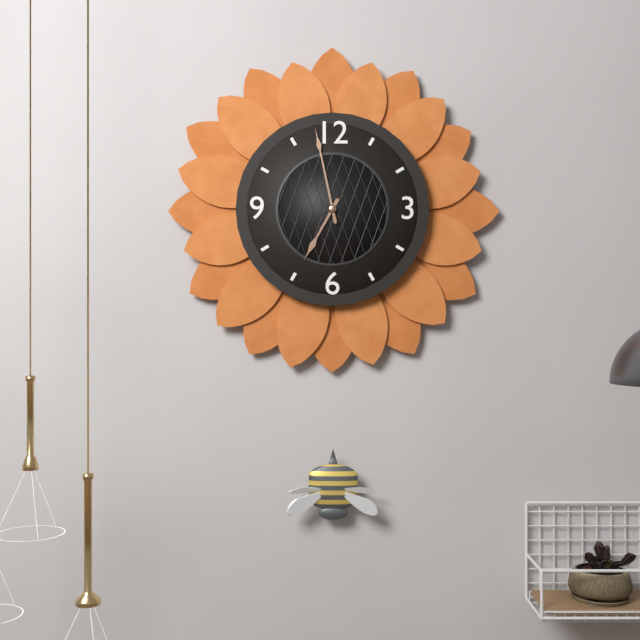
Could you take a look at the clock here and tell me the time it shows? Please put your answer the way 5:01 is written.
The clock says 6:58
